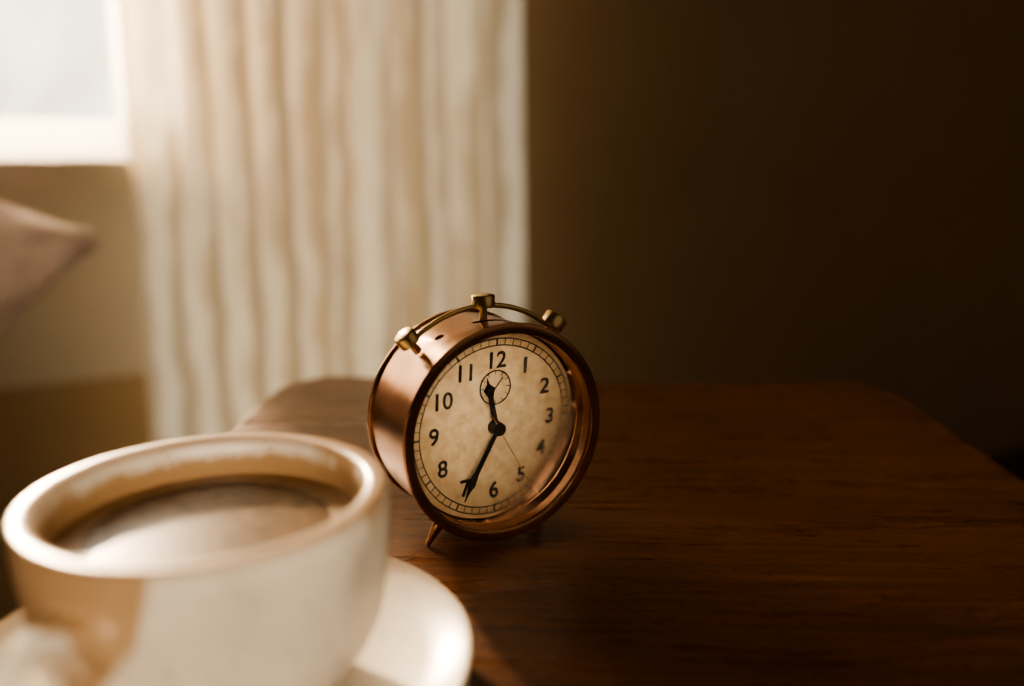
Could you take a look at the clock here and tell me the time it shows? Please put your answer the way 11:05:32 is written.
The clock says 11:35:25
